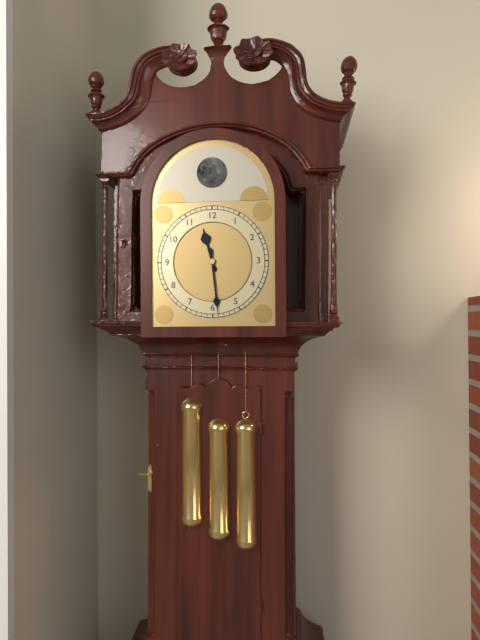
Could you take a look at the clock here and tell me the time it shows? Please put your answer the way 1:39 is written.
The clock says 11:29
